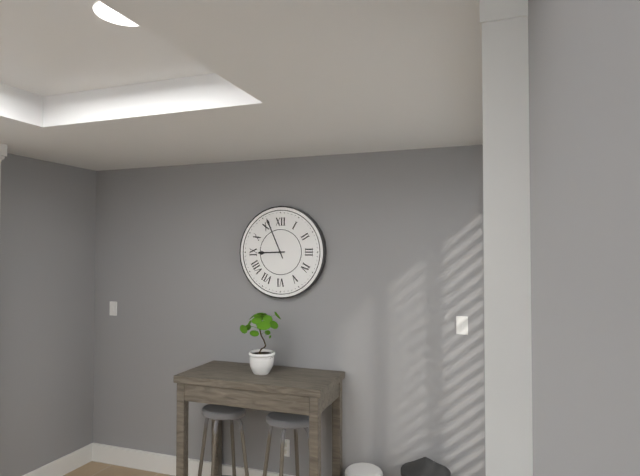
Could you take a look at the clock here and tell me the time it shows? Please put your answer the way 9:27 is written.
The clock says 8:56
